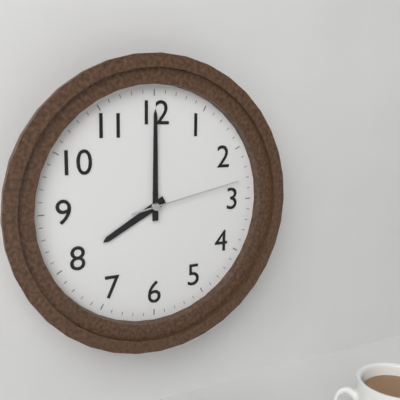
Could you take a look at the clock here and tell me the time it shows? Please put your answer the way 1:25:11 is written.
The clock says 8:00:13
